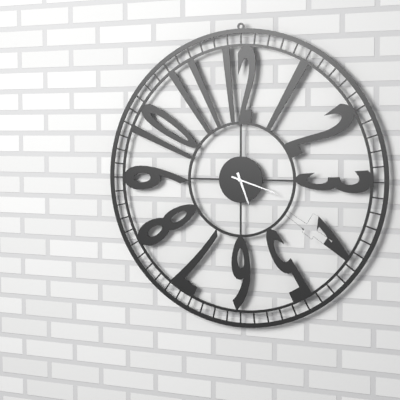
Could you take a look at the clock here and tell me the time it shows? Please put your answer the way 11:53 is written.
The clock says 5:18
